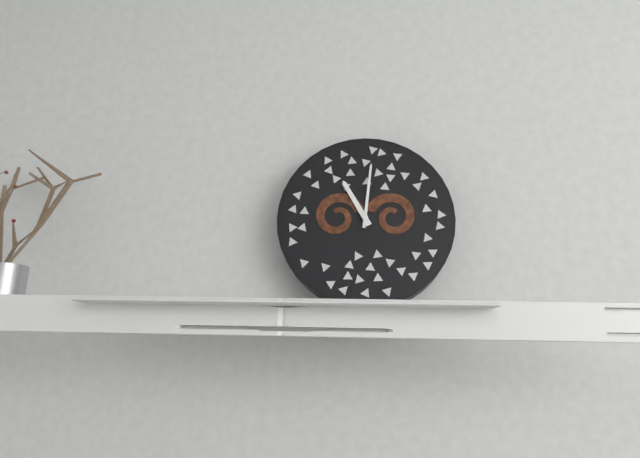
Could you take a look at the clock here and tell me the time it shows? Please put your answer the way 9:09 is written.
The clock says 11:01
